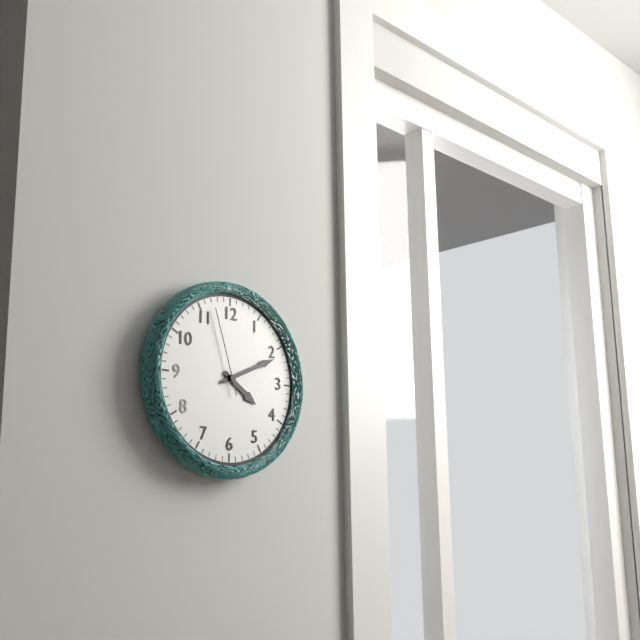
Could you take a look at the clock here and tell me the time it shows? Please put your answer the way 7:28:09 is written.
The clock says 4:11:57
